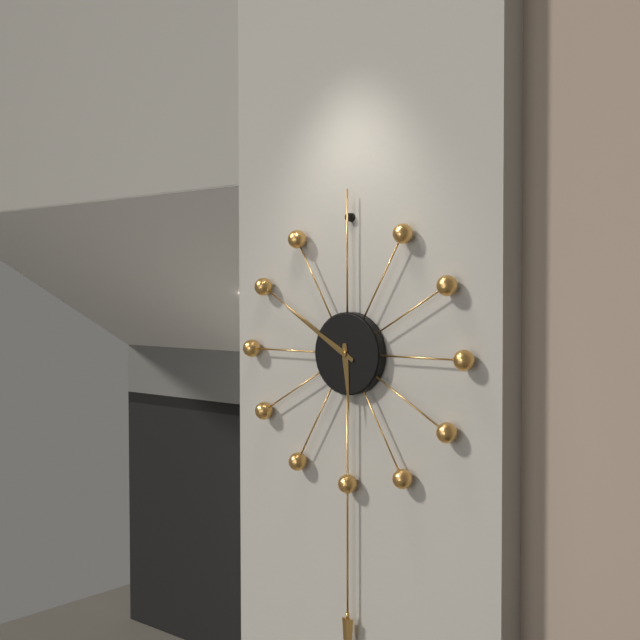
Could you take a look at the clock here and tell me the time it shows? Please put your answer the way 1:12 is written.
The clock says 5:50
